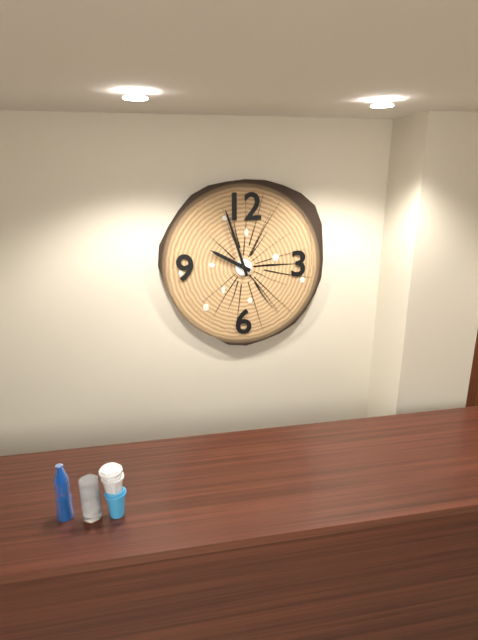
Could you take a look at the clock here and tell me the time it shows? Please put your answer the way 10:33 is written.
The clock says 9:57
